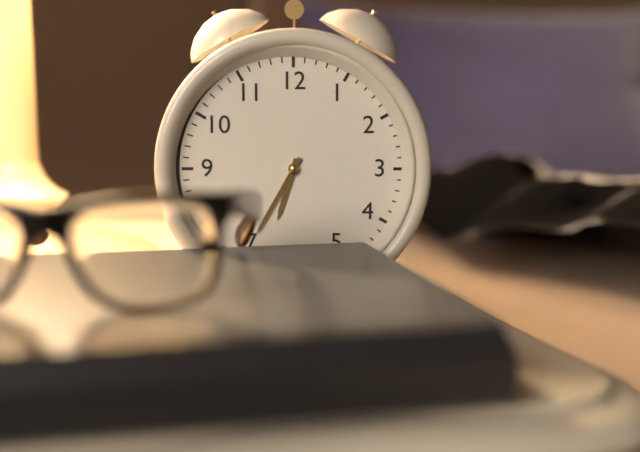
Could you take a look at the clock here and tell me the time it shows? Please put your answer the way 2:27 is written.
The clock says 6:35
